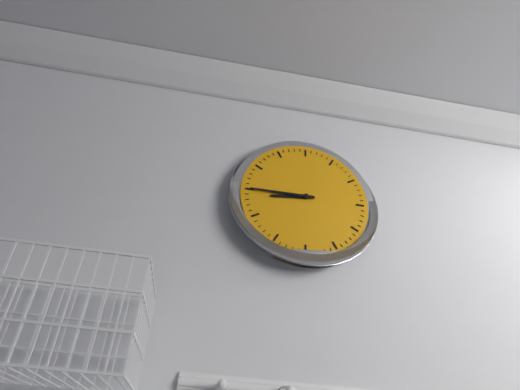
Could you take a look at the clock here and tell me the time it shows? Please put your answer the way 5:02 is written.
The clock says 8:45
